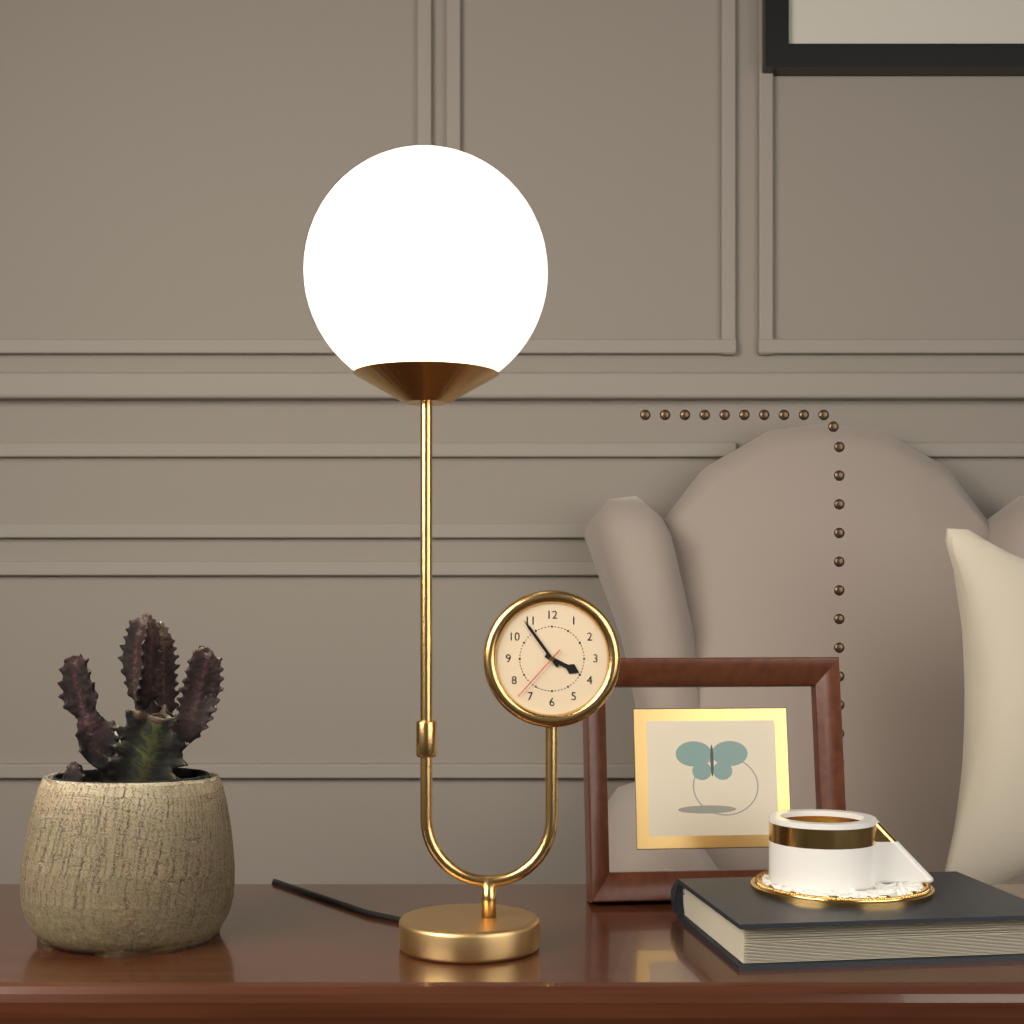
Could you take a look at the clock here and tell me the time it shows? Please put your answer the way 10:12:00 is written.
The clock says 3:54:37
